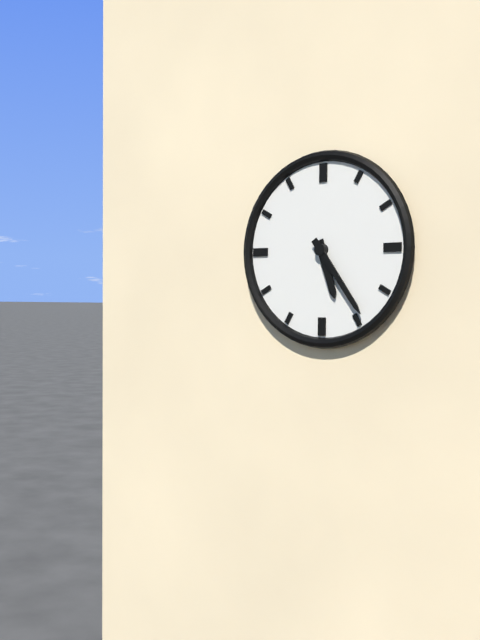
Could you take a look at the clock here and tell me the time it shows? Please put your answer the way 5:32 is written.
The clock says 5:24
